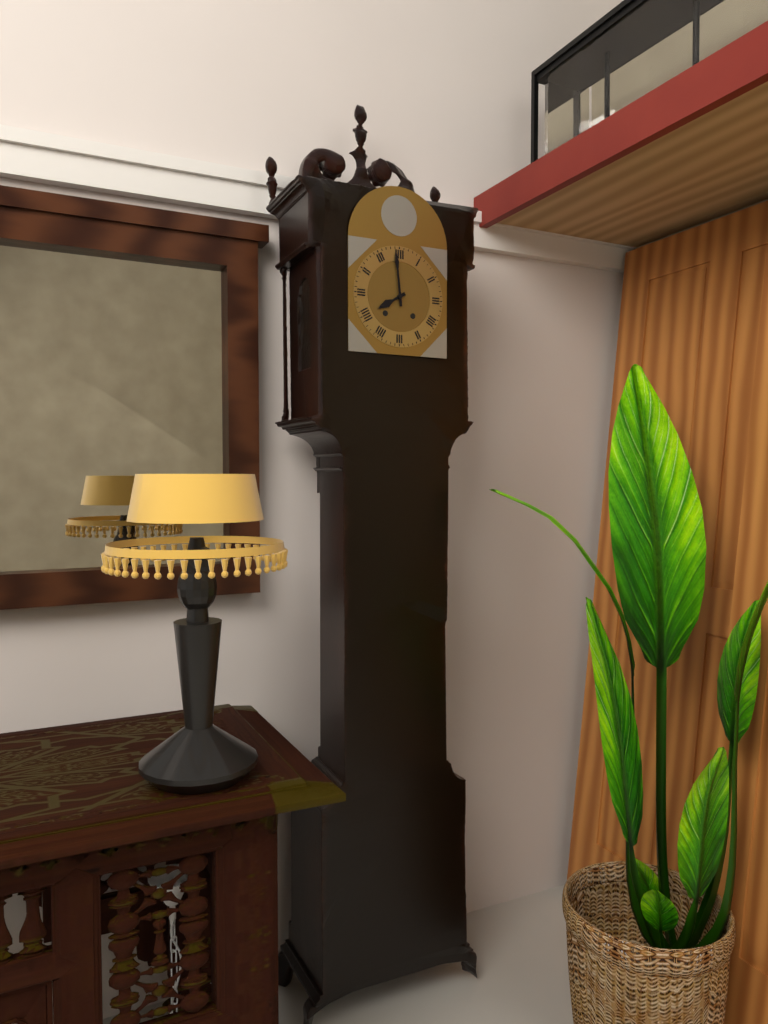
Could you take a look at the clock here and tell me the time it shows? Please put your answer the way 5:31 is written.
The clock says 7:59
